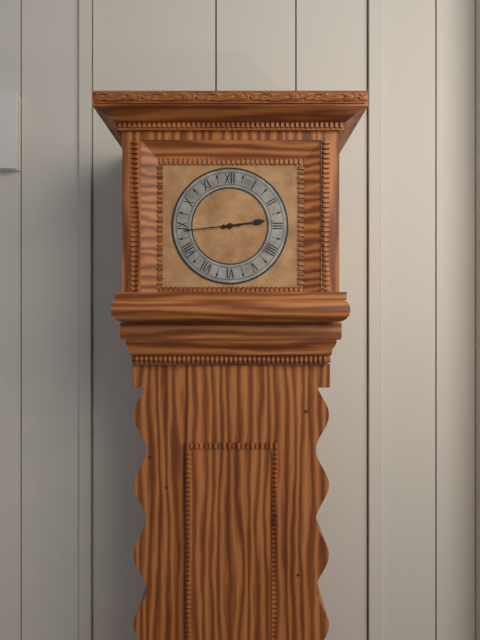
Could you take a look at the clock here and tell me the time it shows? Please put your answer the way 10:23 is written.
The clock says 2:44
